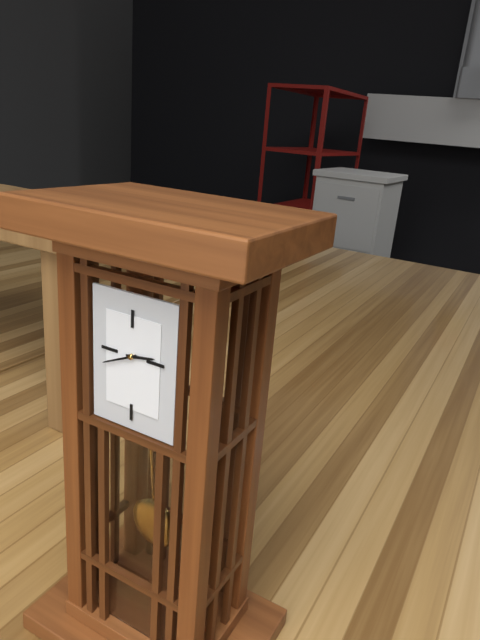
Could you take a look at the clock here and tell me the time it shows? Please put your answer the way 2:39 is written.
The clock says 2:41
